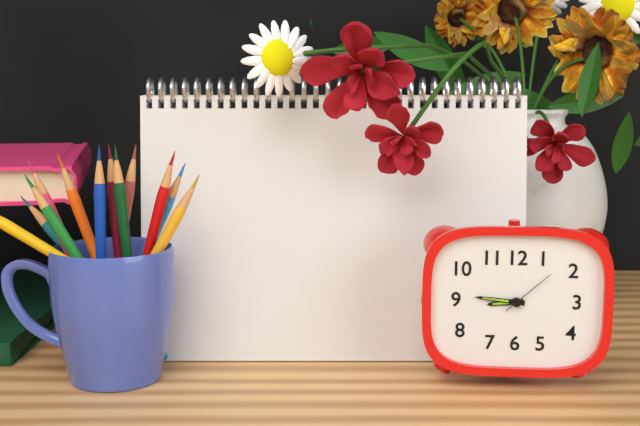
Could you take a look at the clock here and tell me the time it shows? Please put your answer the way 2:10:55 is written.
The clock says 8:46:08
